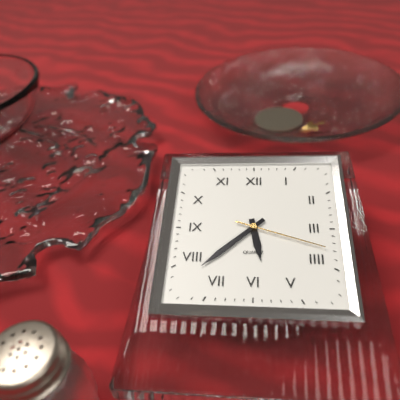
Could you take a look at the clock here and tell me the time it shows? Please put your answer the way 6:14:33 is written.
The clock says 5:38:18
